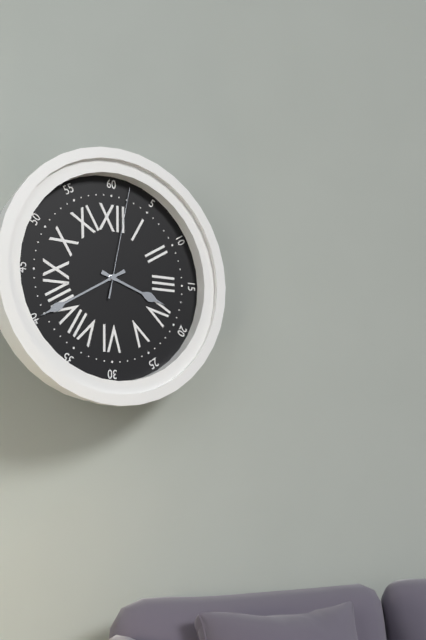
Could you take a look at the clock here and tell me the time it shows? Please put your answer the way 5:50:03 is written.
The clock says 3:40:02
